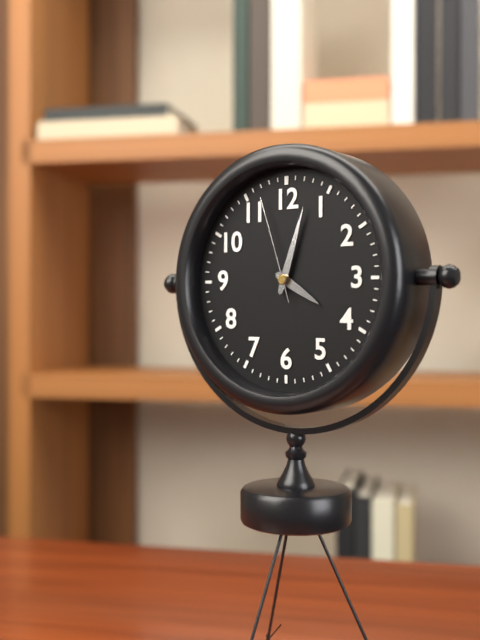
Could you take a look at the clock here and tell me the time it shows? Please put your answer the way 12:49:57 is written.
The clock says 4:03:57
